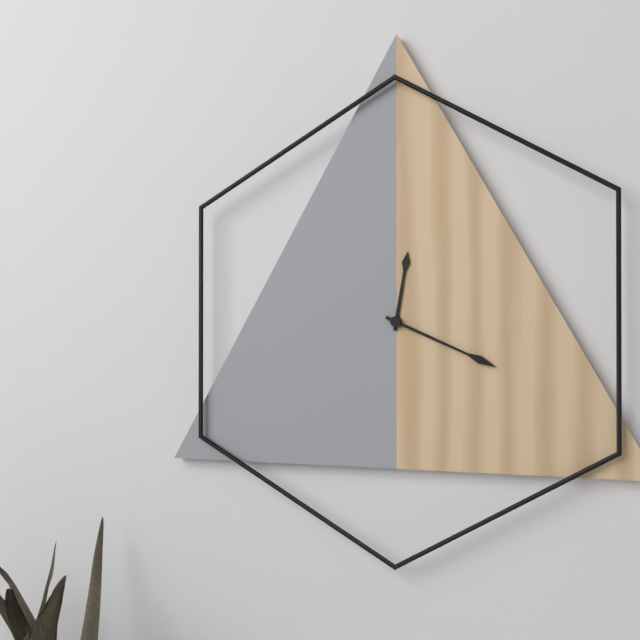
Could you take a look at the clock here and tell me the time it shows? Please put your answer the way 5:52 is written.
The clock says 12:19
